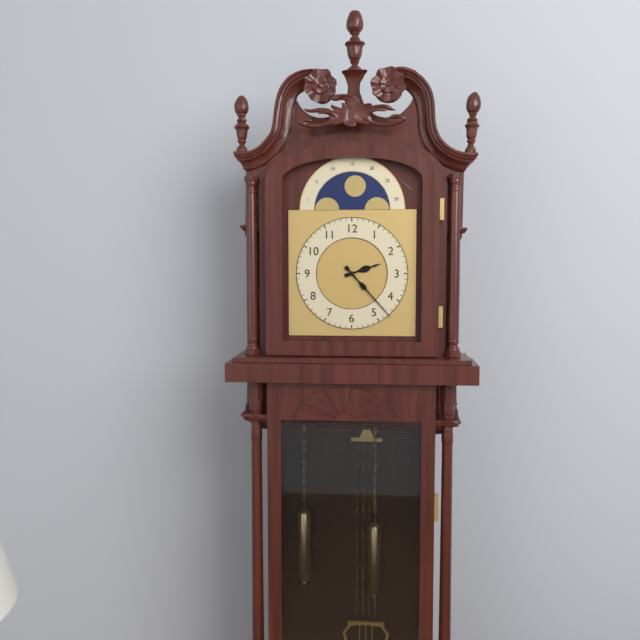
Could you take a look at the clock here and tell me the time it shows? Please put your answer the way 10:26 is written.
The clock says 2:23
